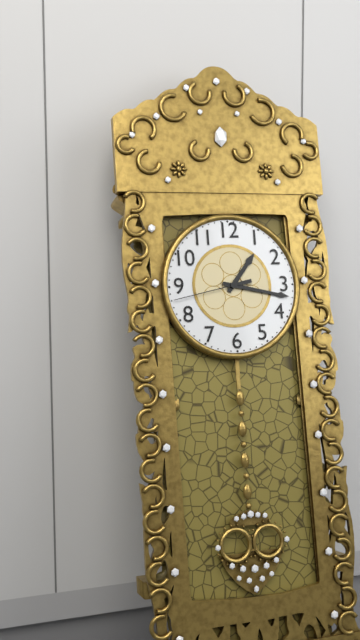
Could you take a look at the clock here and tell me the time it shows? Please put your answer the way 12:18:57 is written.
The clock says 1:17:43
